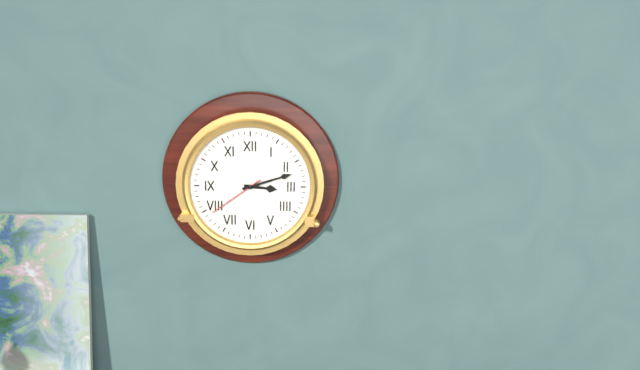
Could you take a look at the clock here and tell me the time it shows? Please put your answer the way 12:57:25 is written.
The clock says 3:12:39
